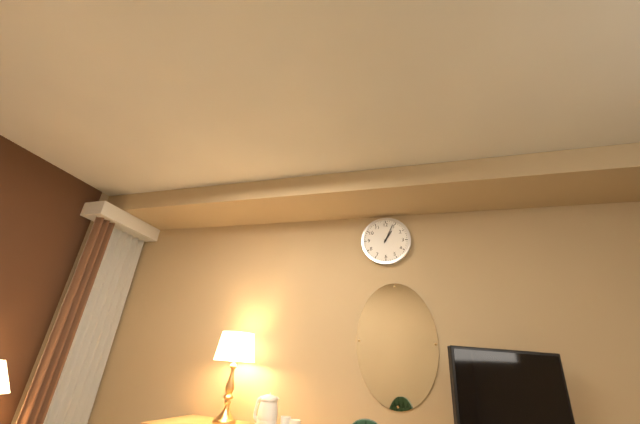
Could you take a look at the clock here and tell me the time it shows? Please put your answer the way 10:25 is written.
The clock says 1:04
